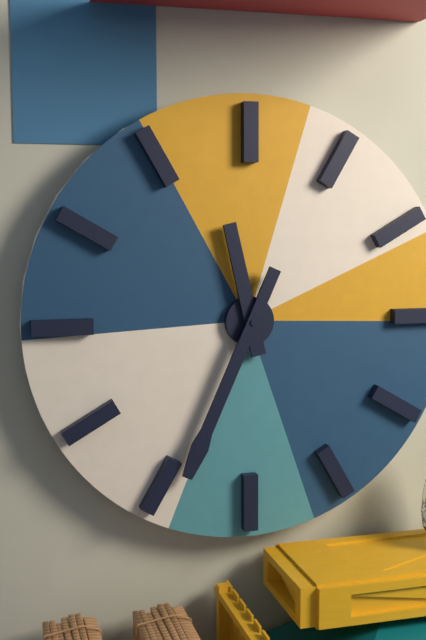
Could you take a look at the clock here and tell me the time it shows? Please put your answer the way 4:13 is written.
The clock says 11:34
